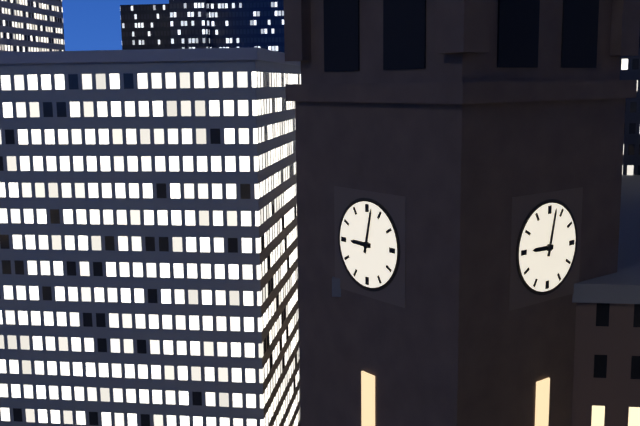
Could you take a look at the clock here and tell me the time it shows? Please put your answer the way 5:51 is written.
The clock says 9:02
